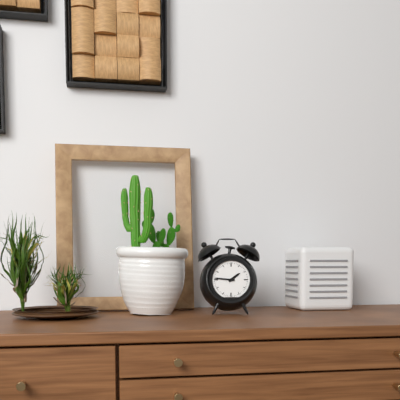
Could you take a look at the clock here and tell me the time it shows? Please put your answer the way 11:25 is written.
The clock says 1:46
